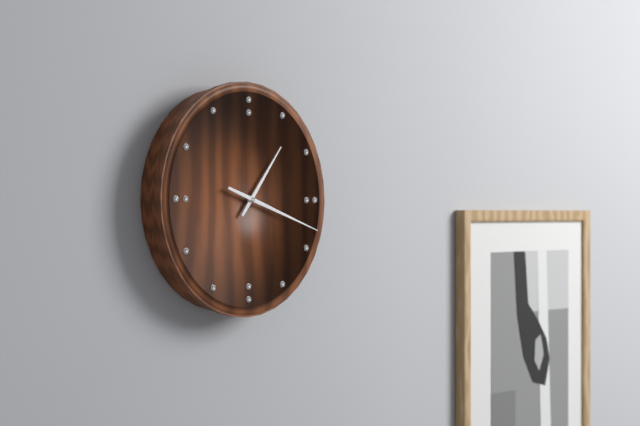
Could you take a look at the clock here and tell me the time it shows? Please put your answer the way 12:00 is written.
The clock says 1:18
